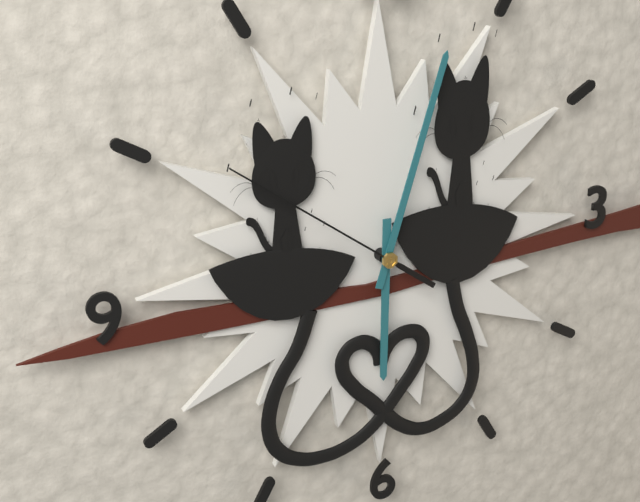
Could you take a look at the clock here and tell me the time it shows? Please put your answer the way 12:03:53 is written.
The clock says 6:03:51
